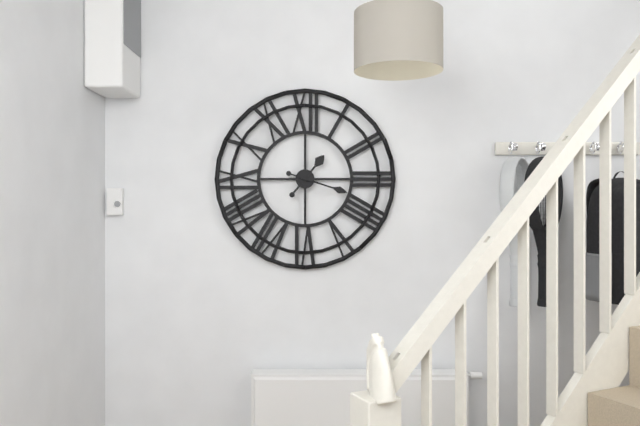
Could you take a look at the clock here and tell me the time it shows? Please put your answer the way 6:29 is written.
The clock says 1:18
